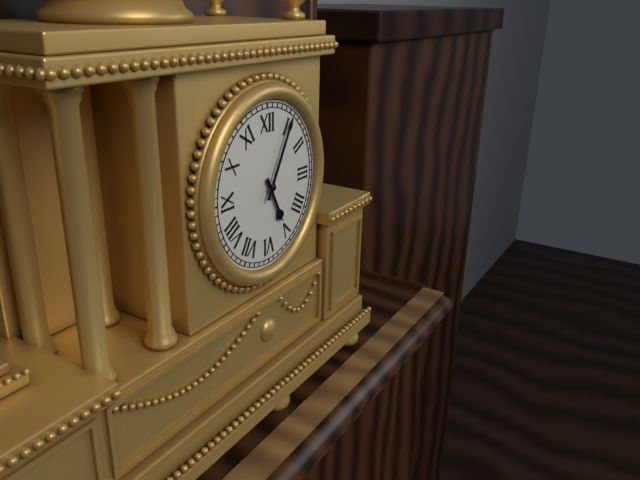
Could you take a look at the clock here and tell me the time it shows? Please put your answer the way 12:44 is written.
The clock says 5:05
